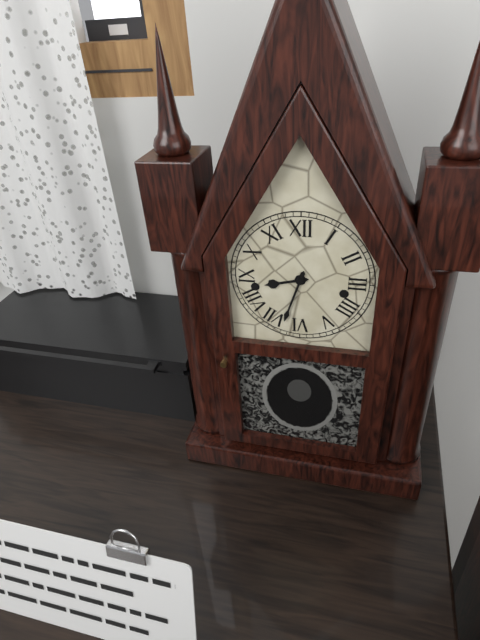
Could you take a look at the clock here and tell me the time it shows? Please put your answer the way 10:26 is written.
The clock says 8:33
